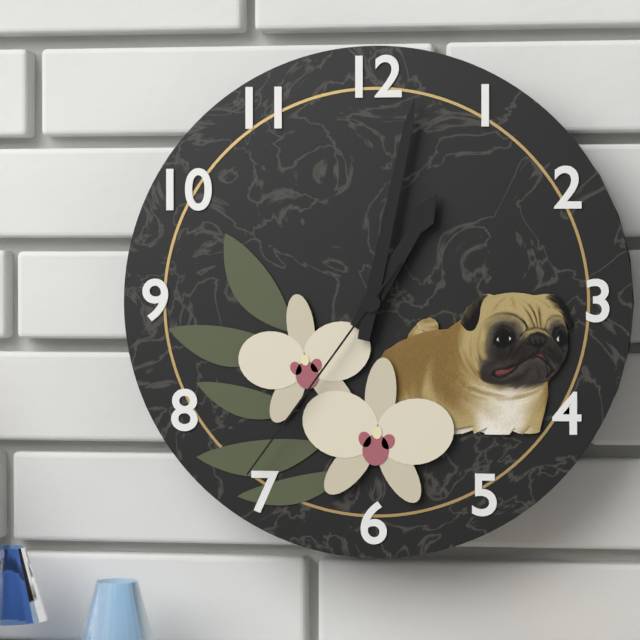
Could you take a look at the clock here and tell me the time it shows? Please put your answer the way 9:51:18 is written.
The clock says 1:02:36
